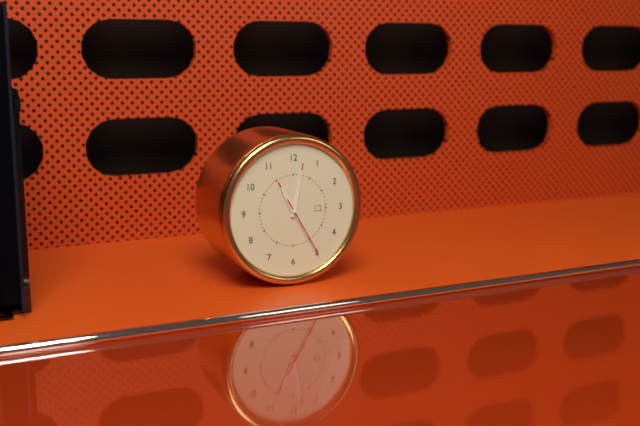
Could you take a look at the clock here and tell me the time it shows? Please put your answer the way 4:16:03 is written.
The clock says 11:02:25
